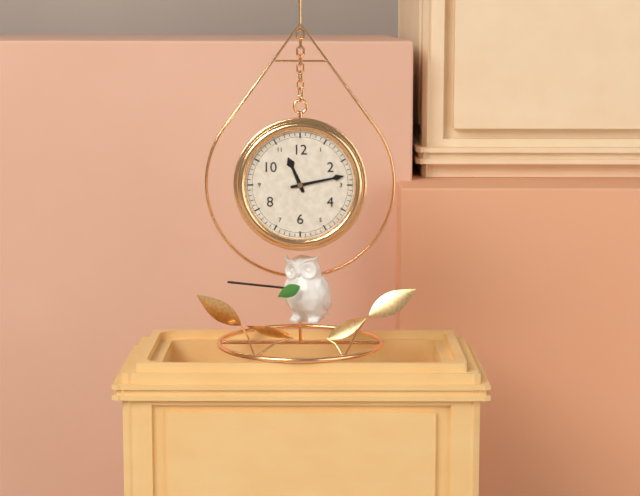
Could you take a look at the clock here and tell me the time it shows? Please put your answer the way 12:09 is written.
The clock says 11:13
